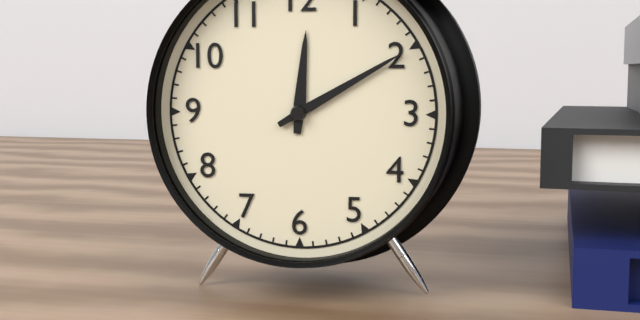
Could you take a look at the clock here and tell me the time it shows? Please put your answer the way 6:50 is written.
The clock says 12:10
